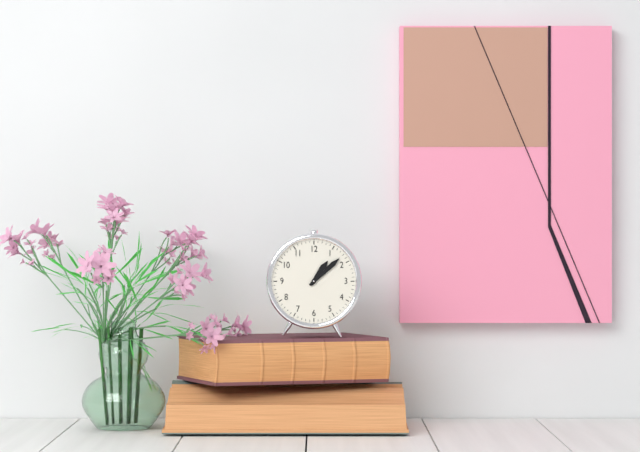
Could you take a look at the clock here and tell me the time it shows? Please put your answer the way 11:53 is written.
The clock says 1:08
